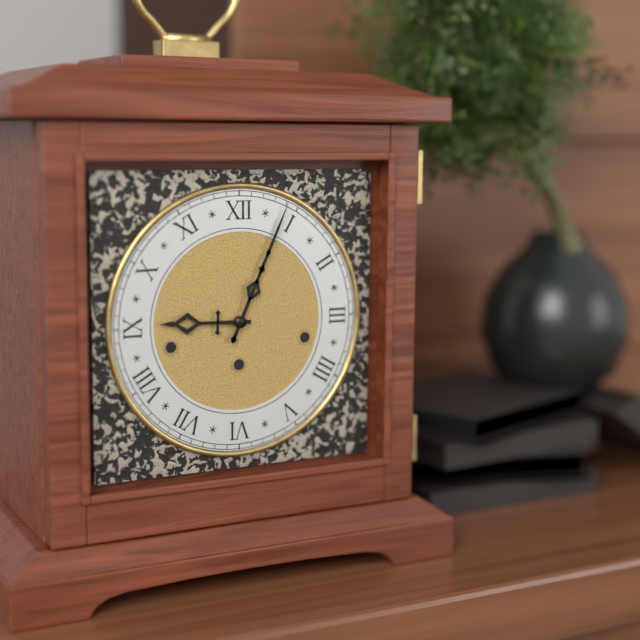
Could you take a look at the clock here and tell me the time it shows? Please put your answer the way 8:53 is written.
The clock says 9:04
